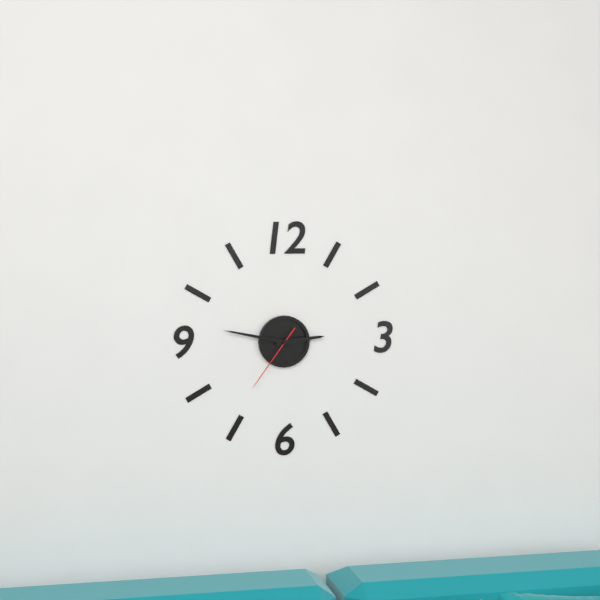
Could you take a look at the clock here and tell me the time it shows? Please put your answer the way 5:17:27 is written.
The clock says 2:47:36
